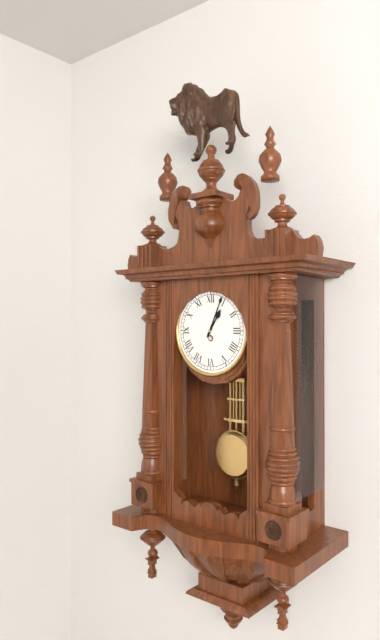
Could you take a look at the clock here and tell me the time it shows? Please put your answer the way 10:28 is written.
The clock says 1:04
